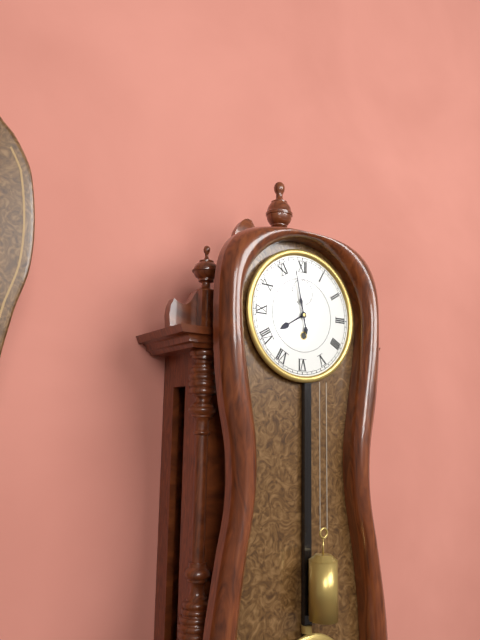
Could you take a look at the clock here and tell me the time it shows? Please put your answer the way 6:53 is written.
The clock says 7:58
